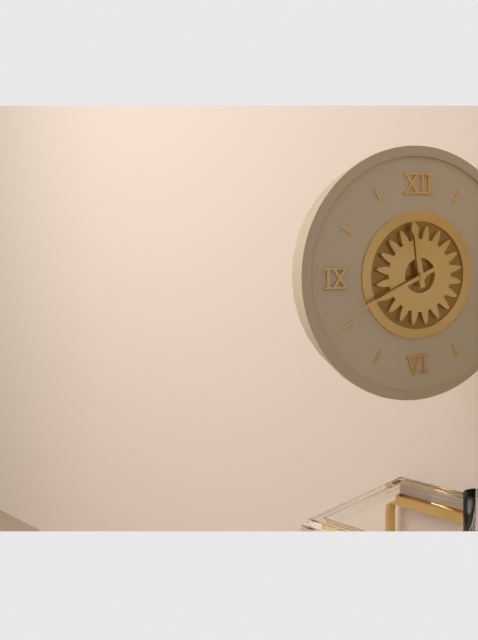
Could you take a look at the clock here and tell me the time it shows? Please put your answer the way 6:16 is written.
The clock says 11:41
